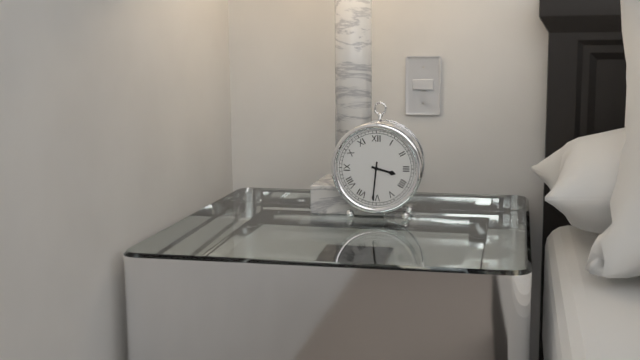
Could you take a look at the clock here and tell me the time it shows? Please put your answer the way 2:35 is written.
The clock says 3:31
